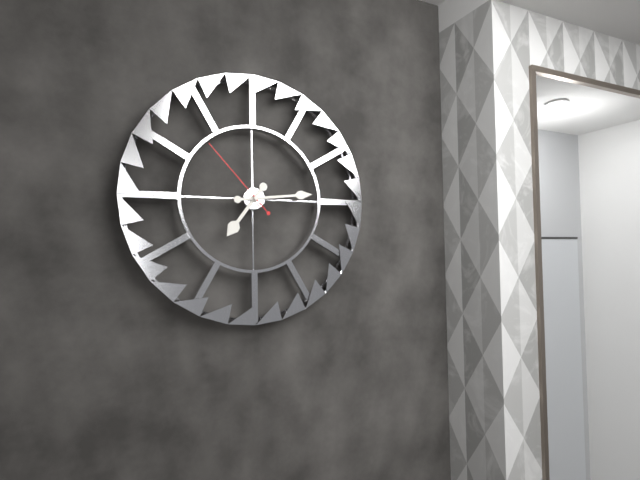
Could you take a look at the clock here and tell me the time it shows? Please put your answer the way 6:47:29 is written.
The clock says 7:14:53
